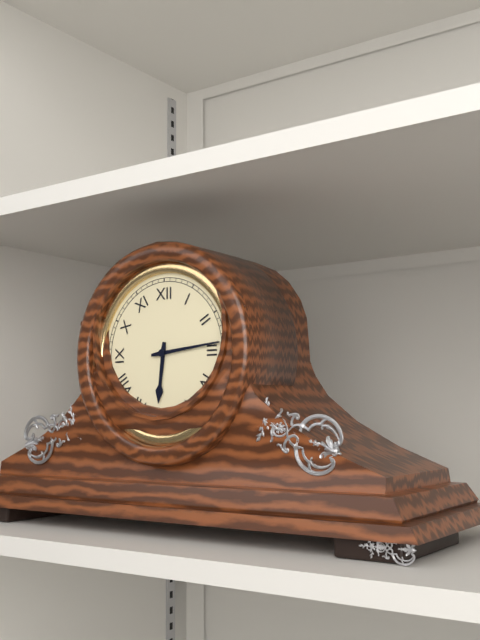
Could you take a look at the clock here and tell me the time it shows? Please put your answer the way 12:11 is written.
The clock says 6:14
